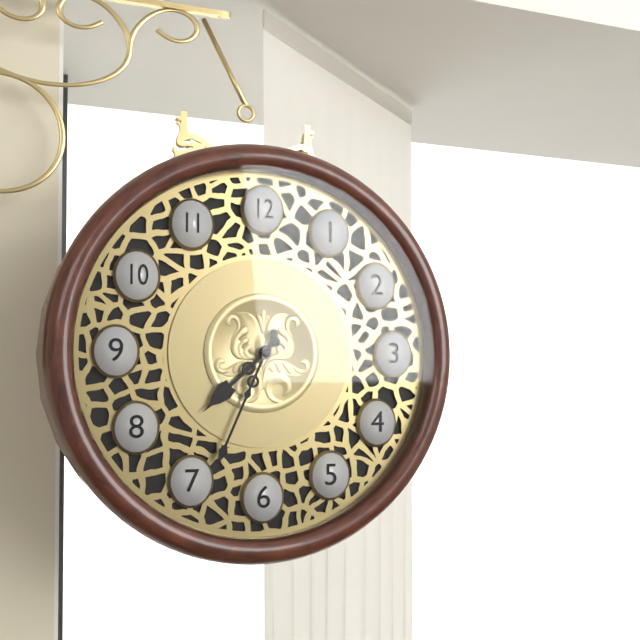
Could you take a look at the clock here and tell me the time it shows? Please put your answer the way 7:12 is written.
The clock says 7:34
